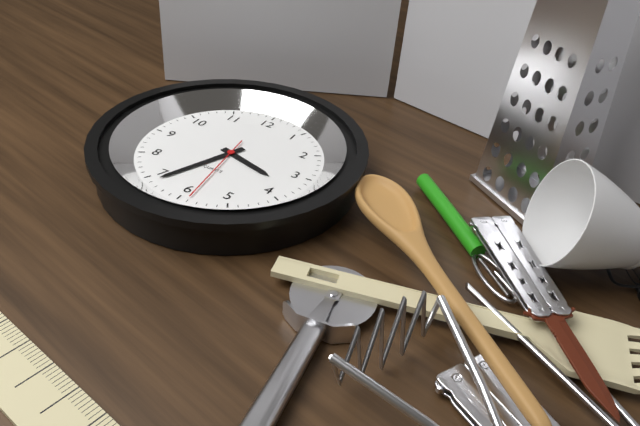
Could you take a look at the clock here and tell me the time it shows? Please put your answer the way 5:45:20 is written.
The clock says 3:34:29
